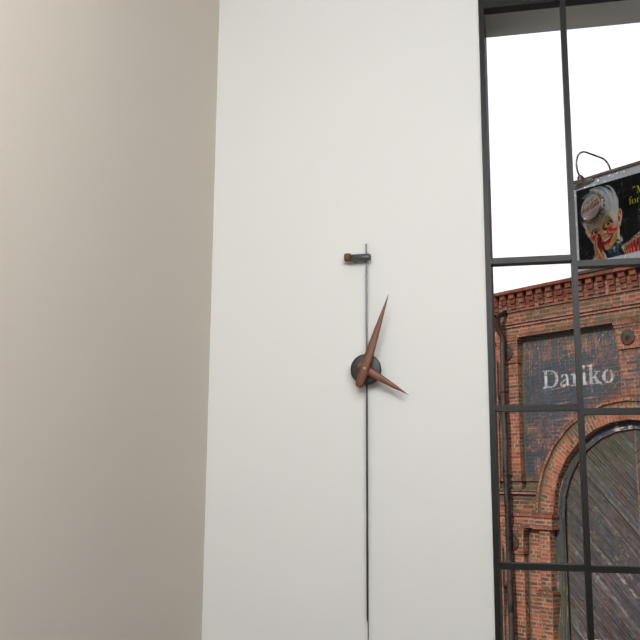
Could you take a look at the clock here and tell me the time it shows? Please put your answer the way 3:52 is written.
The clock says 4:03
